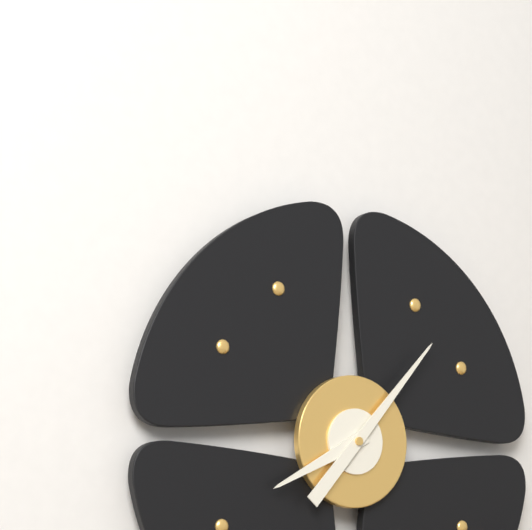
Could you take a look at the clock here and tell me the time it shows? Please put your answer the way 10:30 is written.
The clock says 8:07
